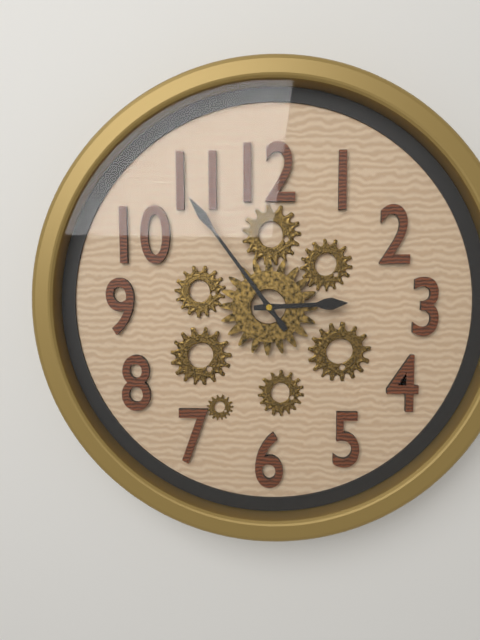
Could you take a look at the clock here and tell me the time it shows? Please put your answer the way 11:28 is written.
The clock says 2:54
